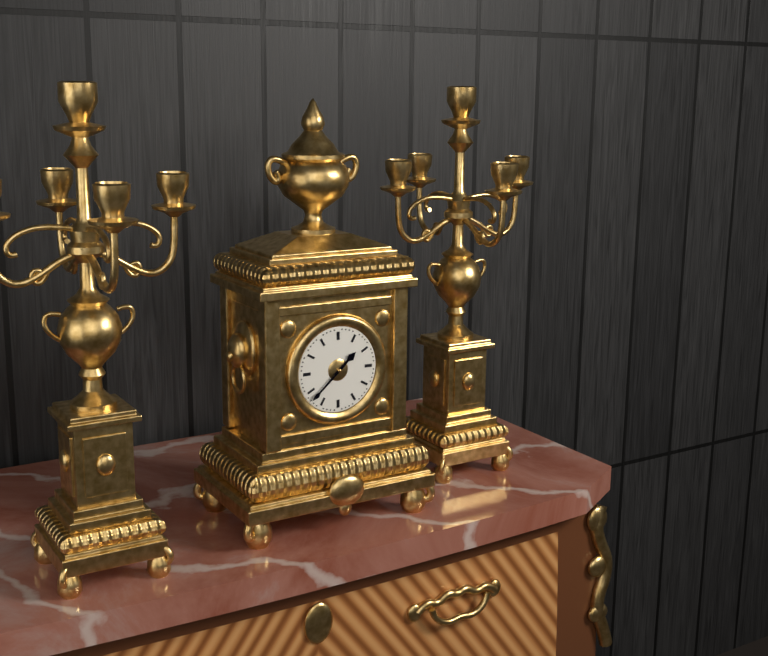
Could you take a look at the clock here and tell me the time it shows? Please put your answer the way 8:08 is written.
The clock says 1:38
